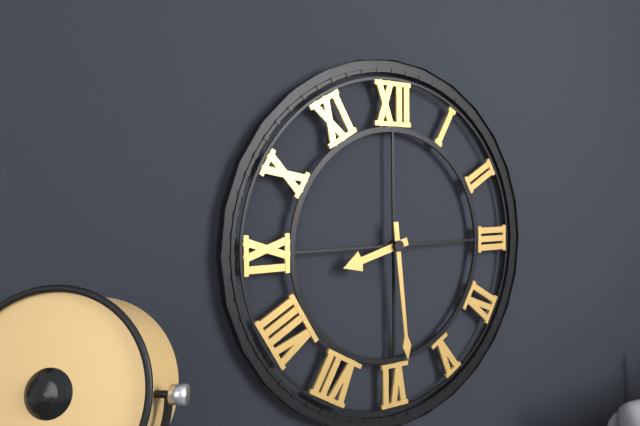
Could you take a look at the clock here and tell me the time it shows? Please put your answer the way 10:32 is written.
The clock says 8:29
